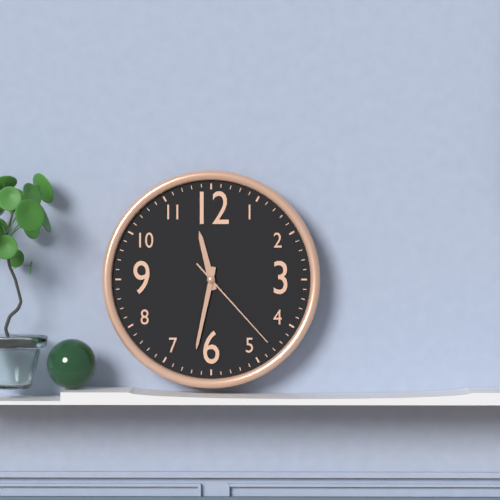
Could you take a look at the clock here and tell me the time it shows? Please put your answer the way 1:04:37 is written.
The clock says 11:32:23
